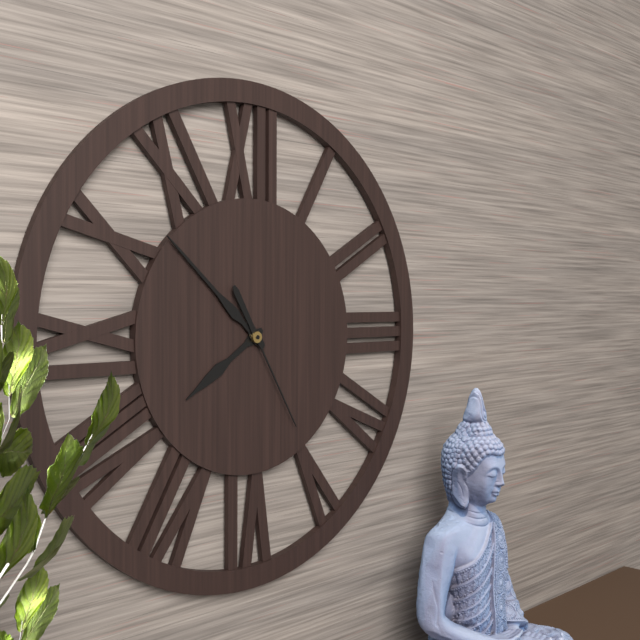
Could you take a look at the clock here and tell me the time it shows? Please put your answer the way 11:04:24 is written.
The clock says 7:52:25
